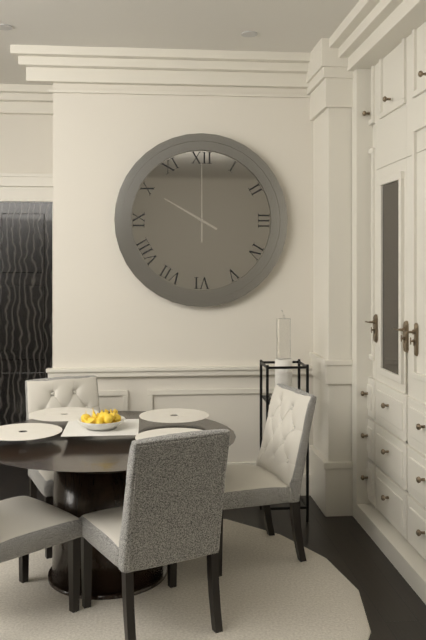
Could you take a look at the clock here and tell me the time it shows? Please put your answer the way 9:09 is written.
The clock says 10:00
